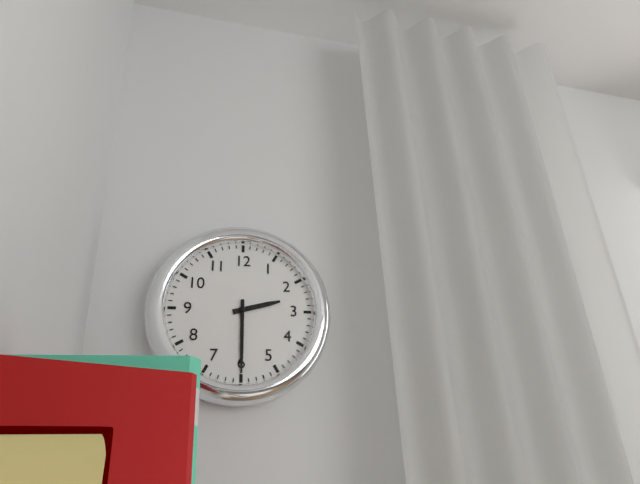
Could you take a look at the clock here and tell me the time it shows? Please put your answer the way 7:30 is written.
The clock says 2:30
